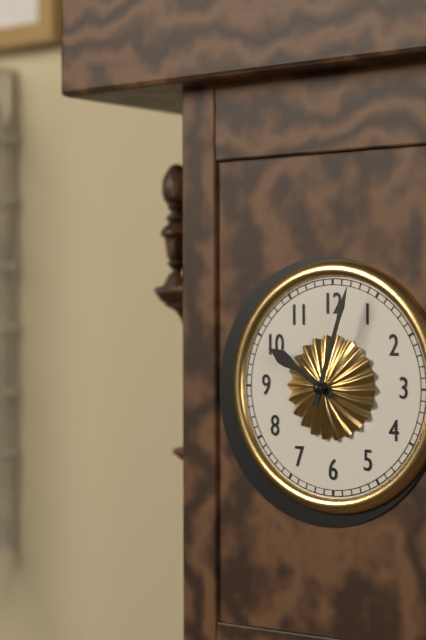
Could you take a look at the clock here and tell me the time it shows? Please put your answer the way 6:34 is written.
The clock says 10:03
